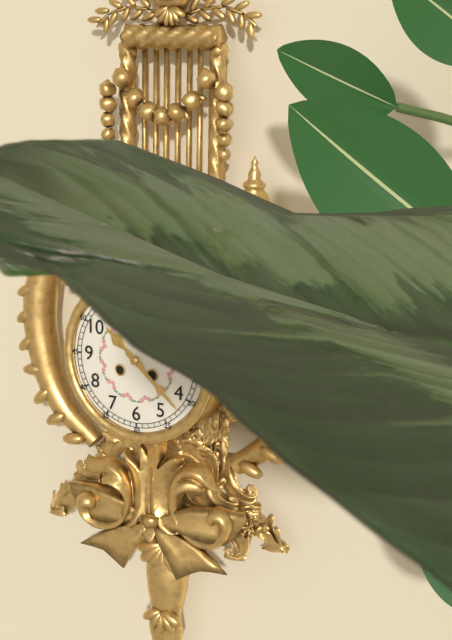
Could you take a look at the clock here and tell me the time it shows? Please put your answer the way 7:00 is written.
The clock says 10:22
